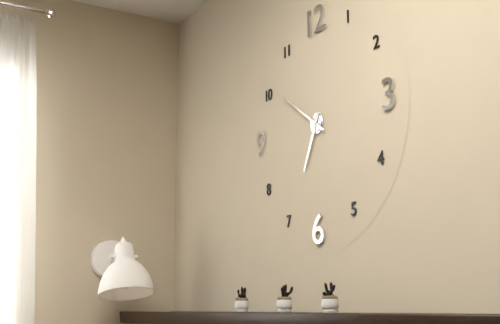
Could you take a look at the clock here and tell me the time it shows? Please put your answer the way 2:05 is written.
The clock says 6:51
